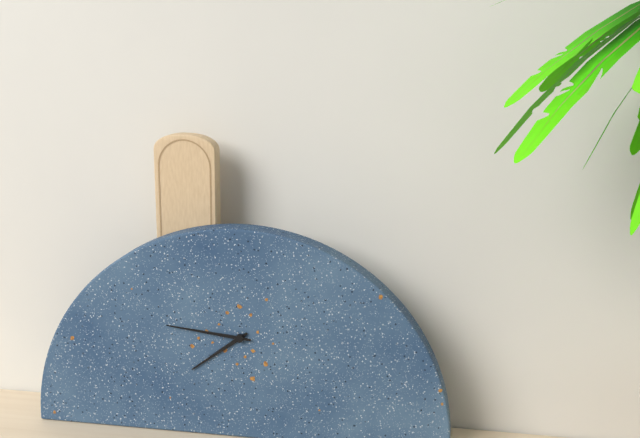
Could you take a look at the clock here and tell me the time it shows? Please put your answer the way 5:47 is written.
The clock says 7:46
